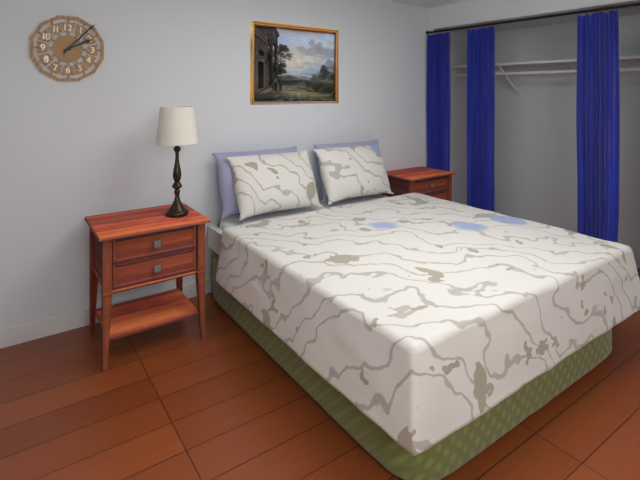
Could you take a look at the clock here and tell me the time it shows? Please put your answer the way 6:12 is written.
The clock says 2:07
